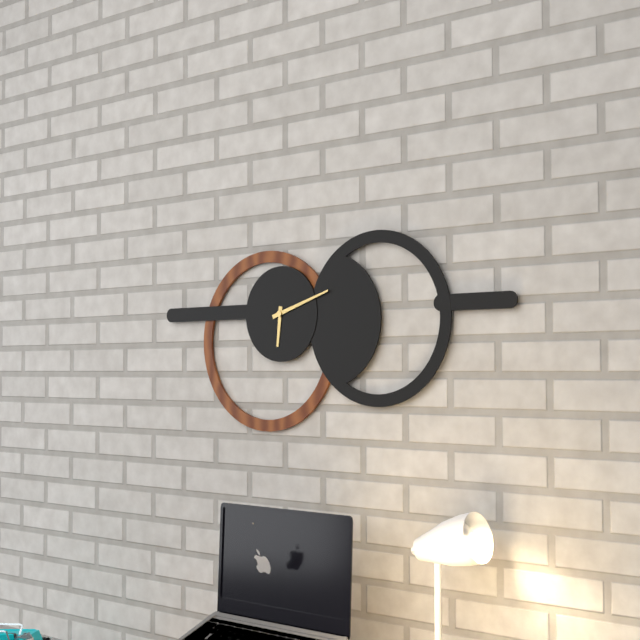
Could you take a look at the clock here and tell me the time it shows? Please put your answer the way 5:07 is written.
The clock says 6:12
